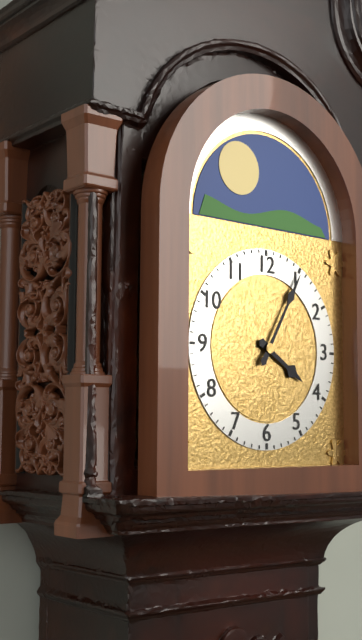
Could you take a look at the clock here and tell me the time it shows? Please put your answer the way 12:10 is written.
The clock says 4:05
